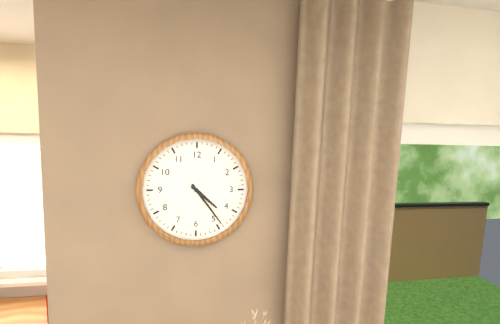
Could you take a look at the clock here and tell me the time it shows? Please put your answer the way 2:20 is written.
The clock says 4:24
